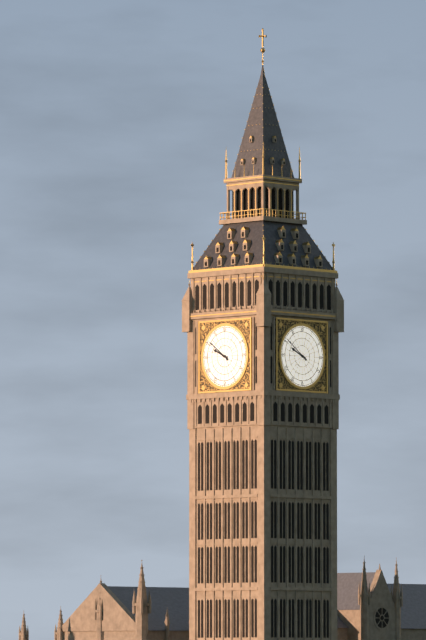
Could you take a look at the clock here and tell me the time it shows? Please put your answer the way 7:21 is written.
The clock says 9:51
